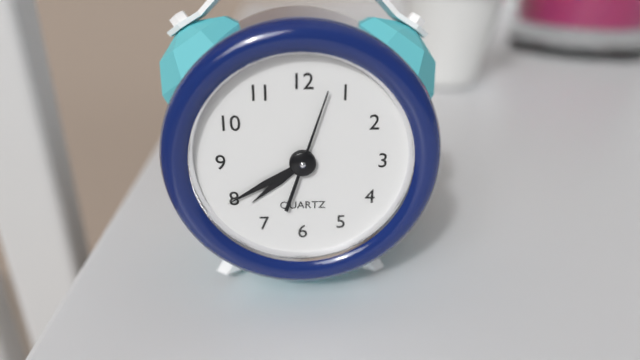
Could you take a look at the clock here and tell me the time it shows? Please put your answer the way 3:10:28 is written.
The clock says 7:40:03
